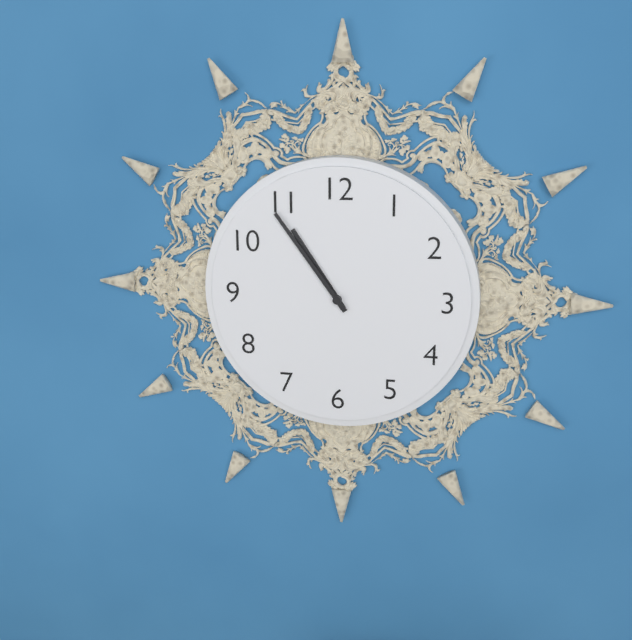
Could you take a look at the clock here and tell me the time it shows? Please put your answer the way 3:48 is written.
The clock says 10:54
